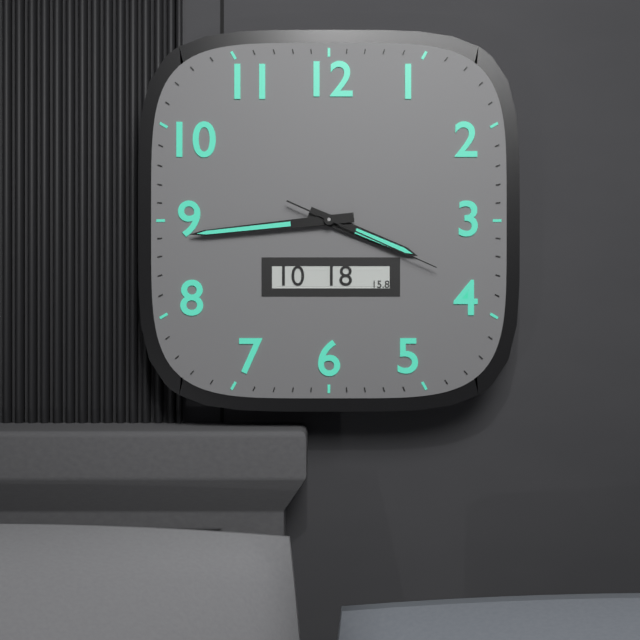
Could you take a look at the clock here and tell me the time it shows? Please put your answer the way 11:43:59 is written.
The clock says 3:44:19
